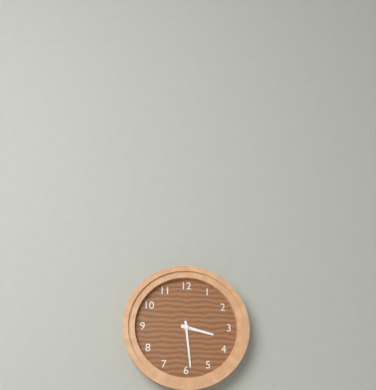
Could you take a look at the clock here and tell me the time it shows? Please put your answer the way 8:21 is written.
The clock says 3:29
